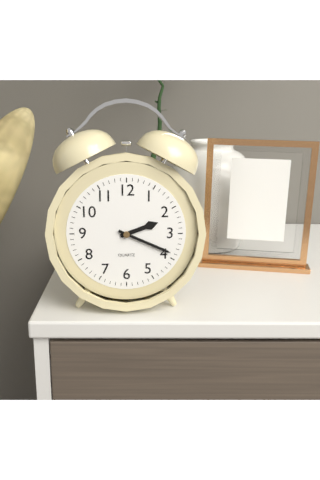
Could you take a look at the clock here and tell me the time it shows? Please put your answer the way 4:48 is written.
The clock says 2:19
